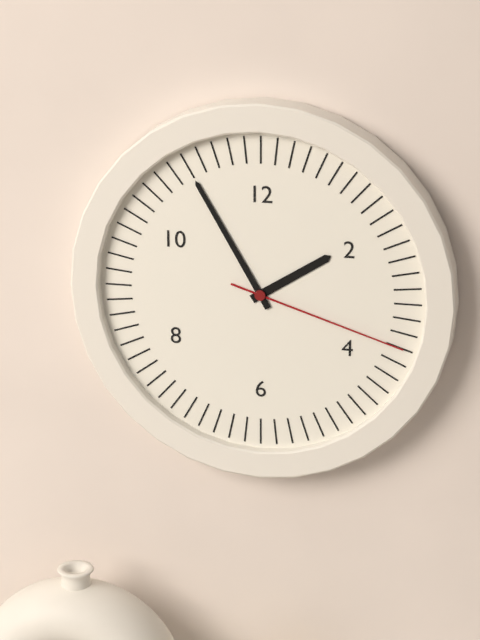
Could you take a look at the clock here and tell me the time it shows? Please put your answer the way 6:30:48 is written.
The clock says 1:55:18
